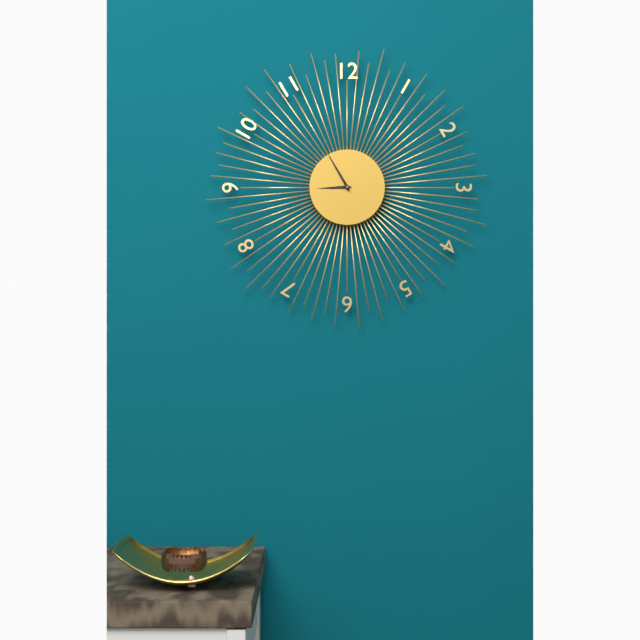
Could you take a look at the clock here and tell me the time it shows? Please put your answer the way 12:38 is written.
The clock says 8:55
